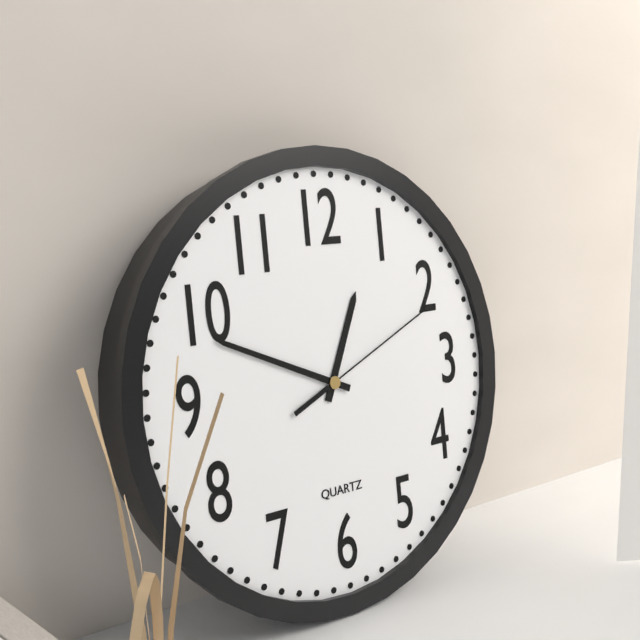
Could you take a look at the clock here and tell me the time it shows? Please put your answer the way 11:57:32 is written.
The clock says 12:49:11
